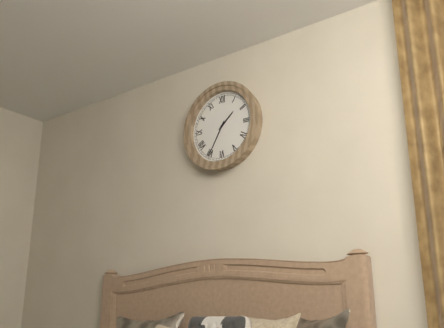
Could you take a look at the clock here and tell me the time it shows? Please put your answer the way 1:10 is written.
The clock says 1:35
